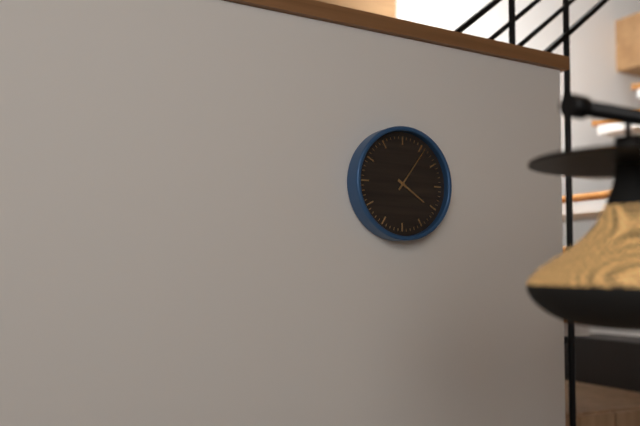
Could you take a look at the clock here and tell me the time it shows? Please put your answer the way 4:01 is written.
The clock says 4:06
